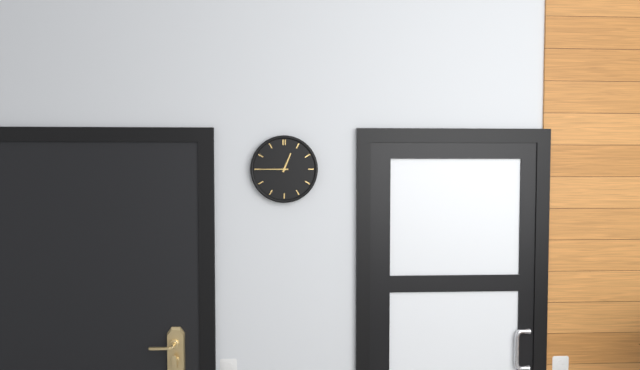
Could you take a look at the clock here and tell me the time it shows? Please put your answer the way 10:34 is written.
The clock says 12:45
